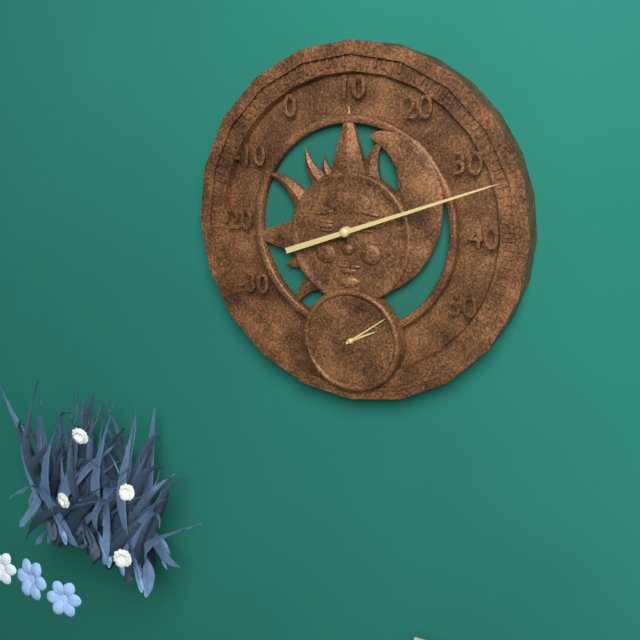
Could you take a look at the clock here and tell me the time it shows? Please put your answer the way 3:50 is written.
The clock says 2:09
